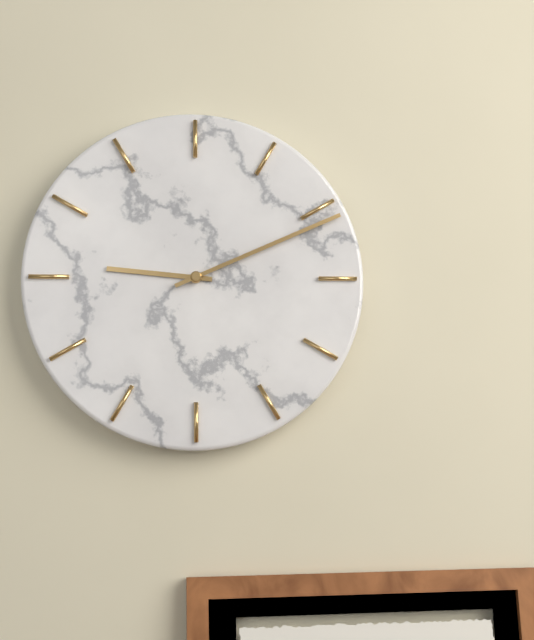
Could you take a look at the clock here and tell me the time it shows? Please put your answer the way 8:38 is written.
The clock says 9:11
